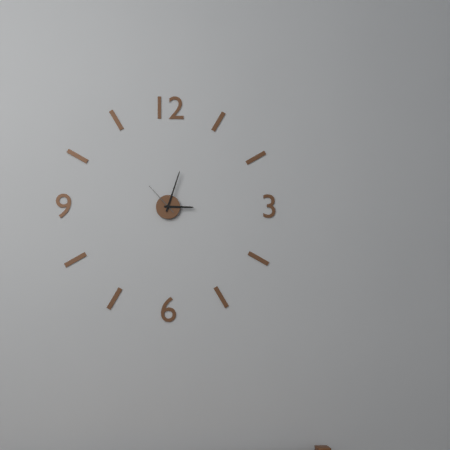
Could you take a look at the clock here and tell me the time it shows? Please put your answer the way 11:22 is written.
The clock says 3:03
